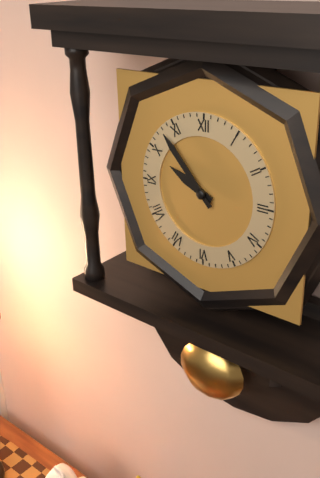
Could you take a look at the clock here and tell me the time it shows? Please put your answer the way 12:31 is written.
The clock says 9:53
